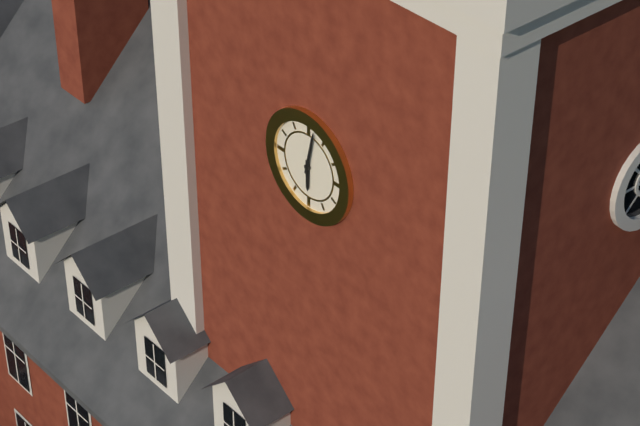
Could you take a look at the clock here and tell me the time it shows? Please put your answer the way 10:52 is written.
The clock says 6:02
